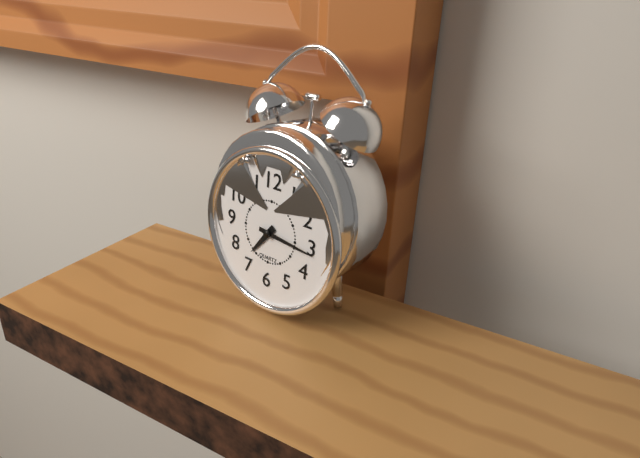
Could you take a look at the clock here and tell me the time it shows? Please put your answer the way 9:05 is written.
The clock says 7:16
